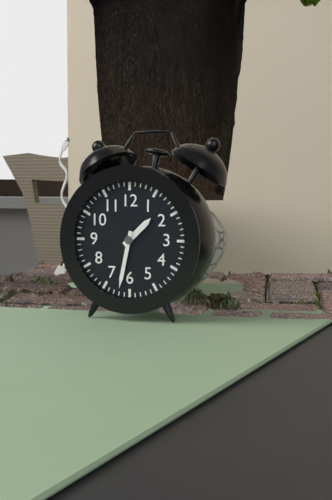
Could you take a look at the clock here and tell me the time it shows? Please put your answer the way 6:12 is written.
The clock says 1:32
